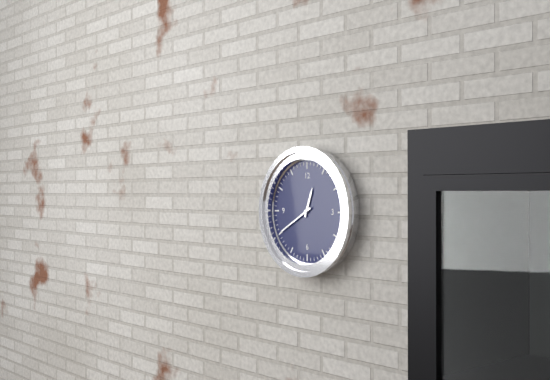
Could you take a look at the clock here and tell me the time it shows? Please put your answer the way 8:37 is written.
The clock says 12:40
